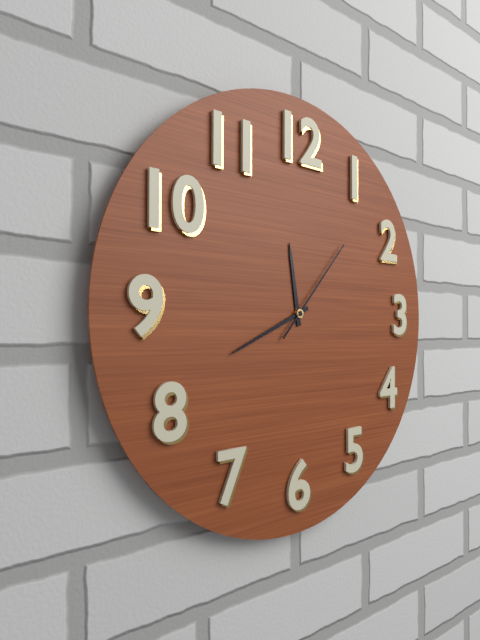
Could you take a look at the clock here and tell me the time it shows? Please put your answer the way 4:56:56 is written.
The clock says 11:41:07
